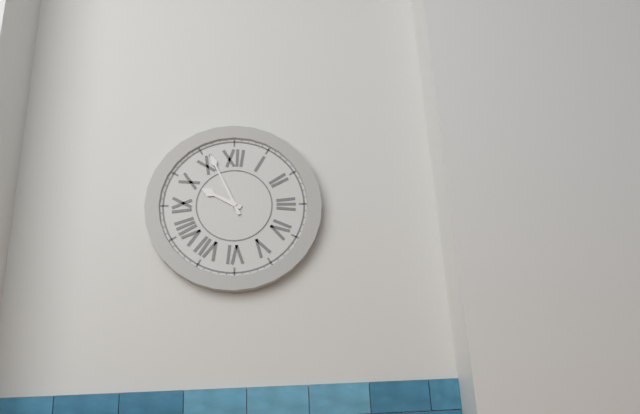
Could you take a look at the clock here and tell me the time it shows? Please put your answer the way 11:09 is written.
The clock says 9:56
